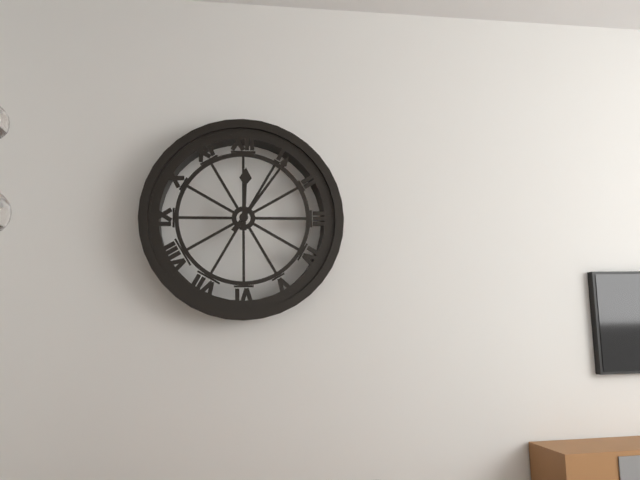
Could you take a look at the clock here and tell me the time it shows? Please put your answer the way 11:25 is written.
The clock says 12:06
